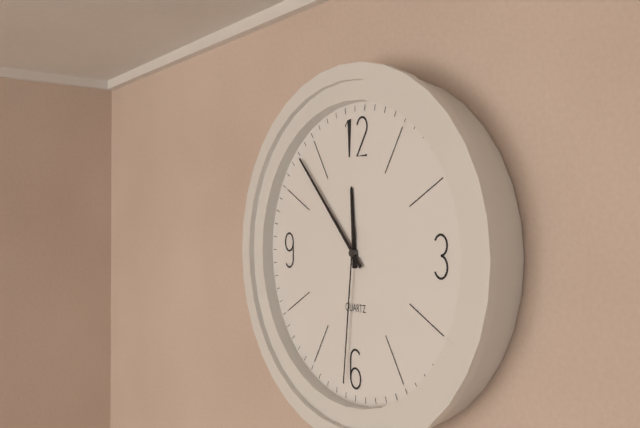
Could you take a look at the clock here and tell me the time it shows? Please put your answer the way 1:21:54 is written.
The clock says 11:53:31
